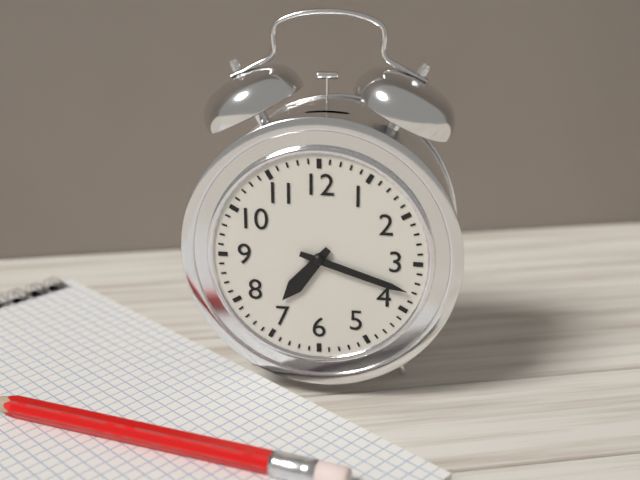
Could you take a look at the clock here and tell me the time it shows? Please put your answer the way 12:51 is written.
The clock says 7:18
